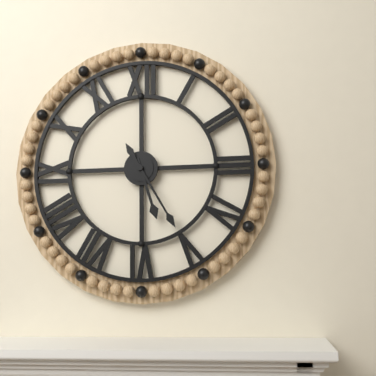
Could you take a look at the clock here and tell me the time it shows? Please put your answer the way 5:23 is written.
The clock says 5:25
